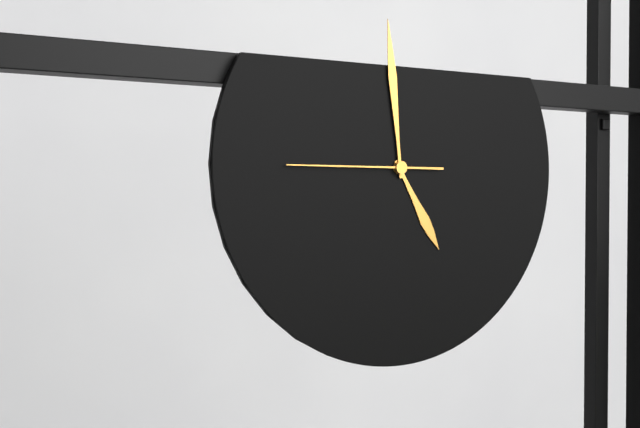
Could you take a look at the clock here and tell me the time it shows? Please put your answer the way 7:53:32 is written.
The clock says 4:59:45
